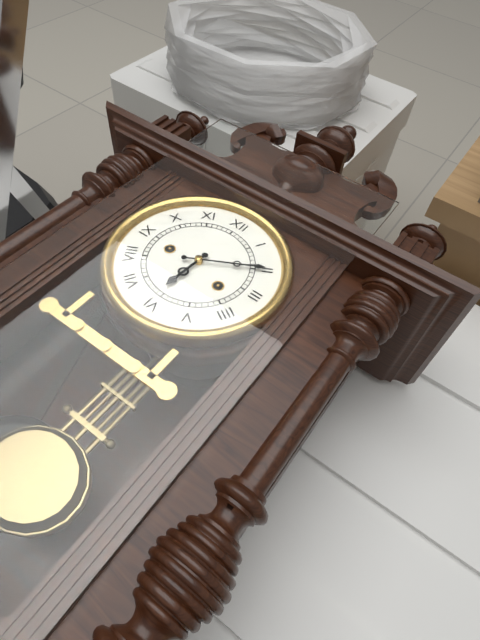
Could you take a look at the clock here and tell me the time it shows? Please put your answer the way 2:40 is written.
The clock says 6:10
